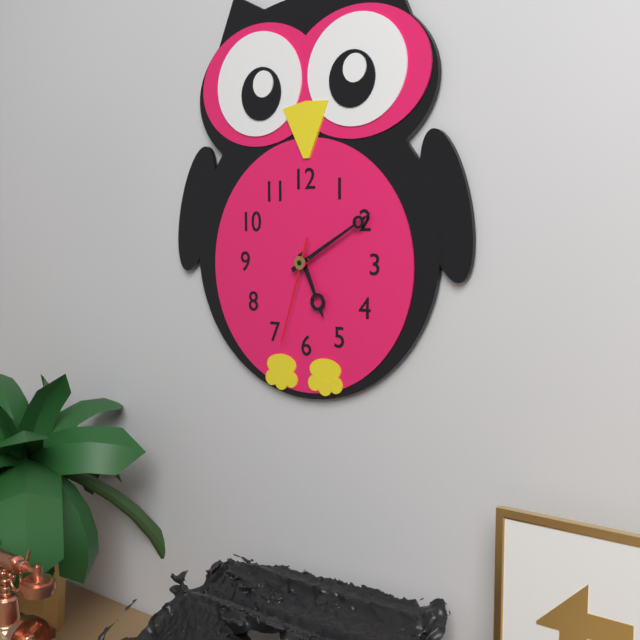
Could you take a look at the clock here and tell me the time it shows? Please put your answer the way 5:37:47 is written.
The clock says 5:10:33
